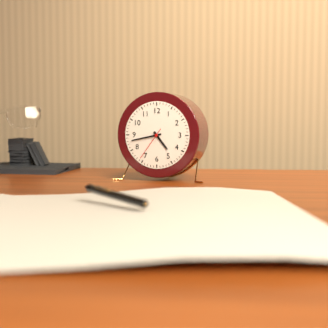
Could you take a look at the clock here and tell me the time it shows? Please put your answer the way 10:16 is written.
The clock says 4:43
